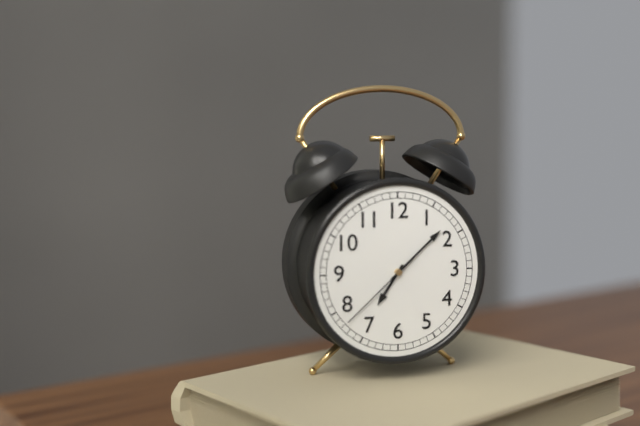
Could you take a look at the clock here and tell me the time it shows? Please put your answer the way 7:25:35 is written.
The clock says 7:08:38
